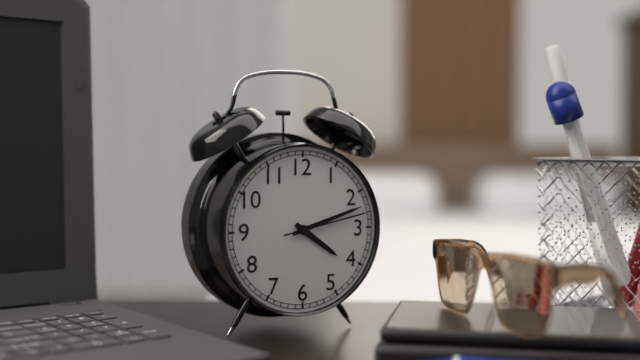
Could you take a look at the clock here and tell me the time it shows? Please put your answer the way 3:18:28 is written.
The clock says 4:12:13
